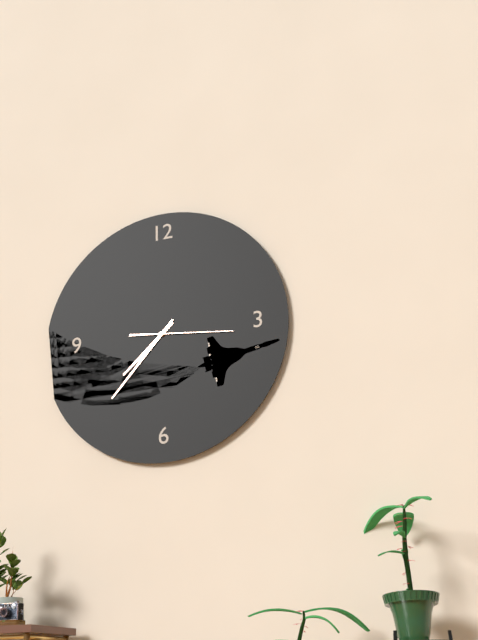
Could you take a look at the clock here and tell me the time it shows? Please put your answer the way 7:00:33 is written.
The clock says 7:37:16
